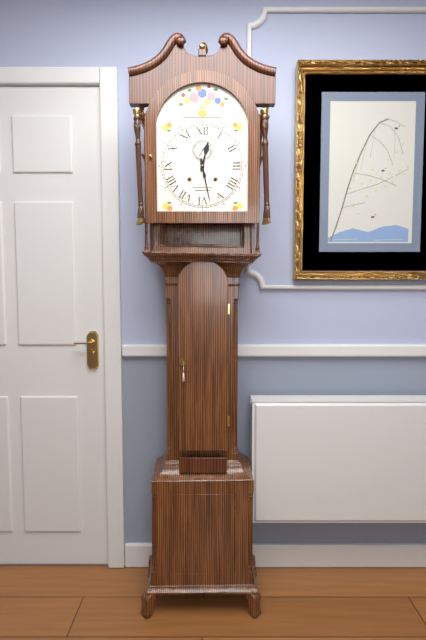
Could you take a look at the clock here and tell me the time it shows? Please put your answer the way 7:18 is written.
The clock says 12:28
